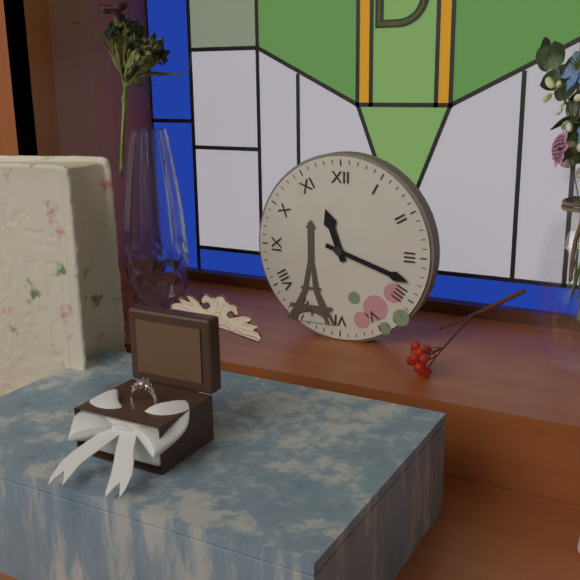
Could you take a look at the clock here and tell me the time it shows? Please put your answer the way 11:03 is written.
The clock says 11:18
